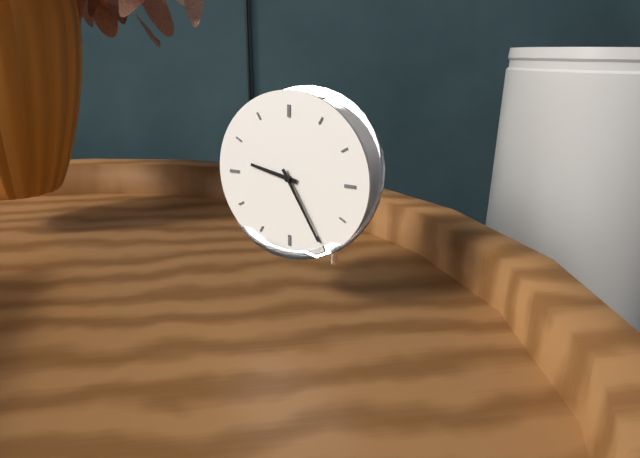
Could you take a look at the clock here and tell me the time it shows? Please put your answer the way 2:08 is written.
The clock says 9:25
